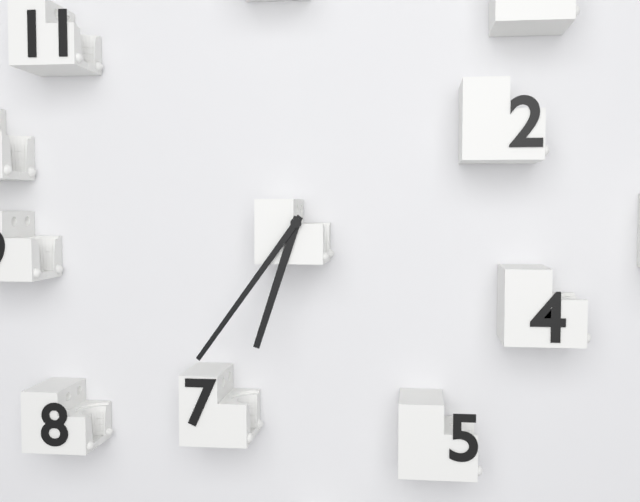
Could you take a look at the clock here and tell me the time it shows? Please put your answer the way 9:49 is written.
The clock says 6:36
